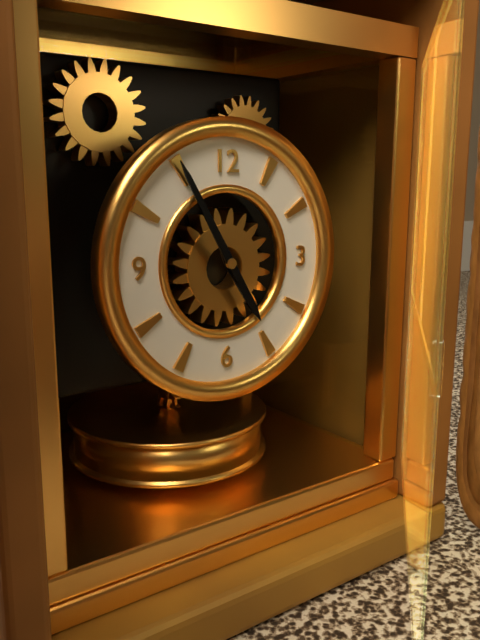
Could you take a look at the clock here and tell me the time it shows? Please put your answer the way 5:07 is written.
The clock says 4:55
